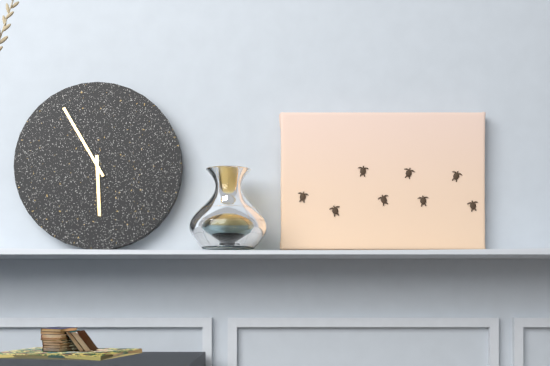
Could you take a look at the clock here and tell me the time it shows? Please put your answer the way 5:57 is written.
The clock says 5:55
